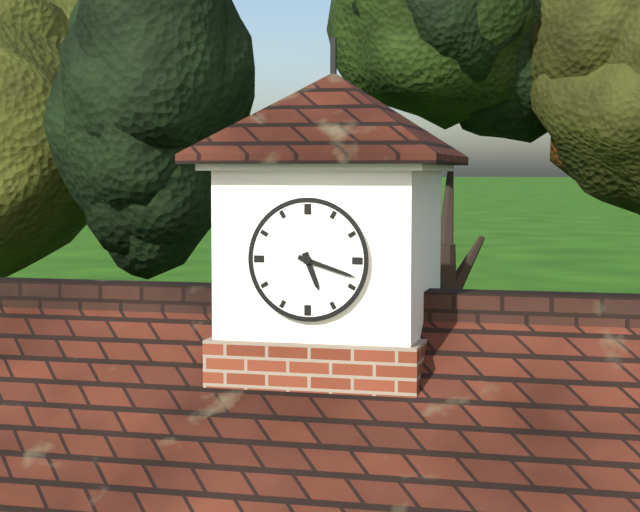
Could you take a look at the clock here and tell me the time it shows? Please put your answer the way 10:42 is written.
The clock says 5:18
